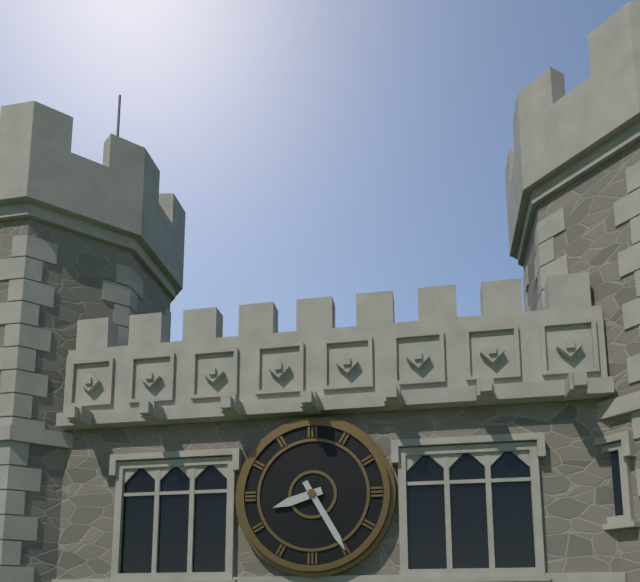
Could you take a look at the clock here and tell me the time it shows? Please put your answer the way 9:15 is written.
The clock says 8:25
